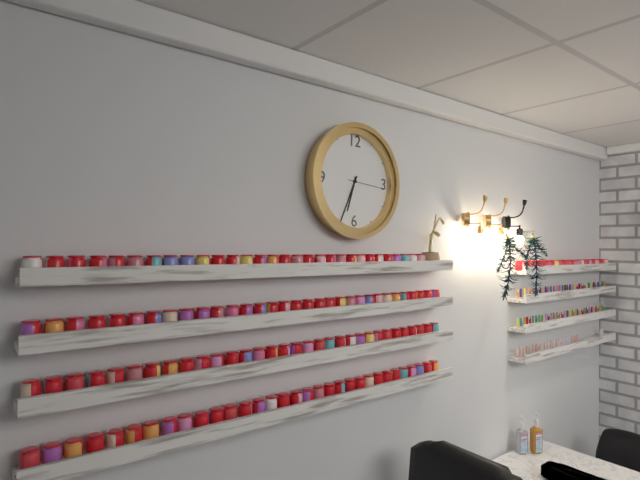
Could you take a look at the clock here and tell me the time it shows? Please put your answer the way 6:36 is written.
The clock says 6:34
